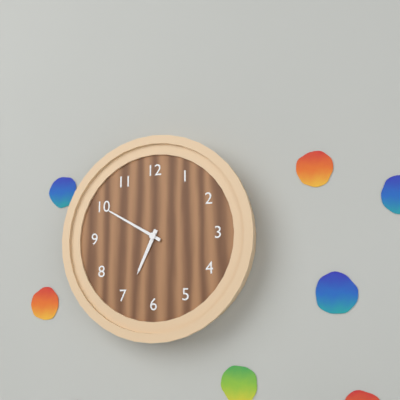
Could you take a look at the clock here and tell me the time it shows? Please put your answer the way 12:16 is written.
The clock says 6:50
